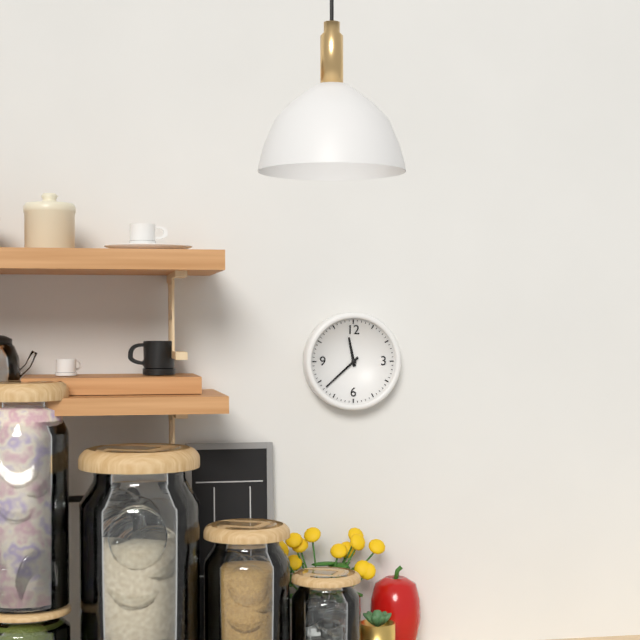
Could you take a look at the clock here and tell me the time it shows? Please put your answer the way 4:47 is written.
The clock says 11:38
